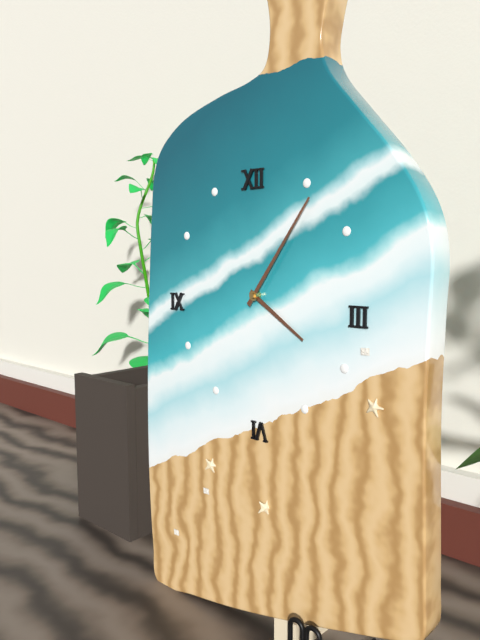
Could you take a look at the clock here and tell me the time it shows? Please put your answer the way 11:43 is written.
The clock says 4:06
